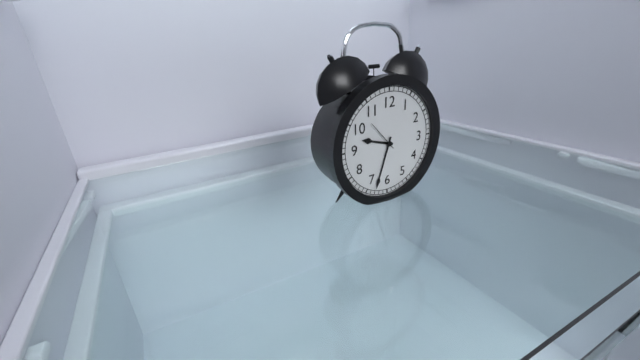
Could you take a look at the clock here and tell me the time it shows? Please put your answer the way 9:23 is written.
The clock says 9:33
